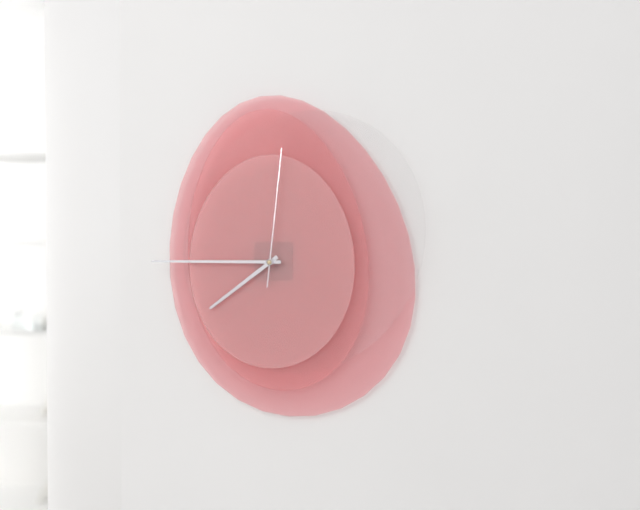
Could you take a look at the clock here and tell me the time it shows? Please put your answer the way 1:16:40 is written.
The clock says 7:45:01
